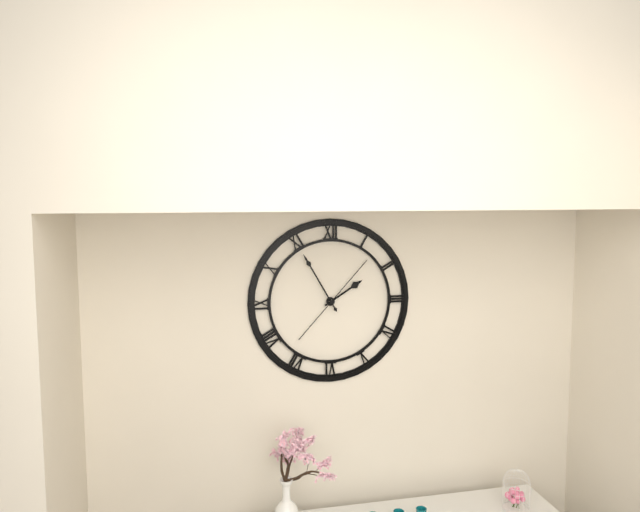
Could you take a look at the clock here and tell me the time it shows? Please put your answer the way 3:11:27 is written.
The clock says 1:55:07
